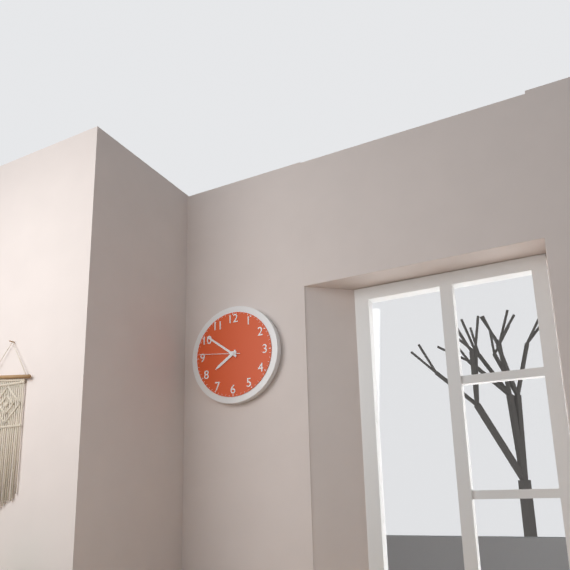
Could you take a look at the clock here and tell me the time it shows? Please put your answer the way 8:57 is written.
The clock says 7:51
